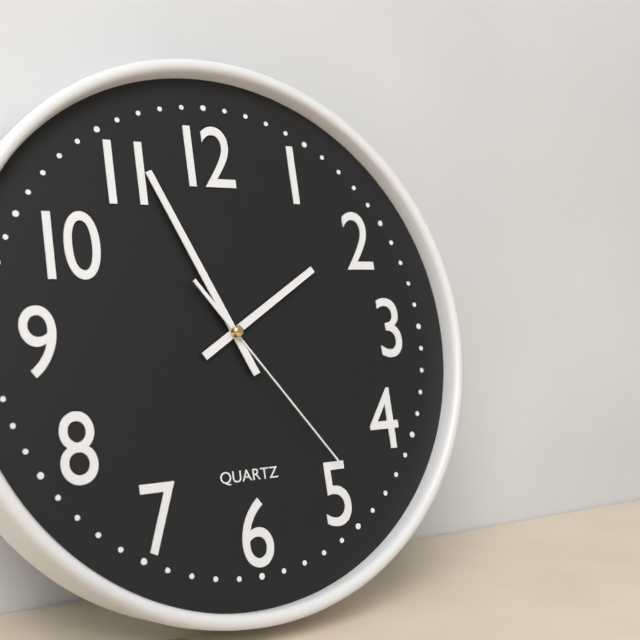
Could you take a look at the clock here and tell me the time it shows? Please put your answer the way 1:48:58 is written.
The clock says 1:56:24
